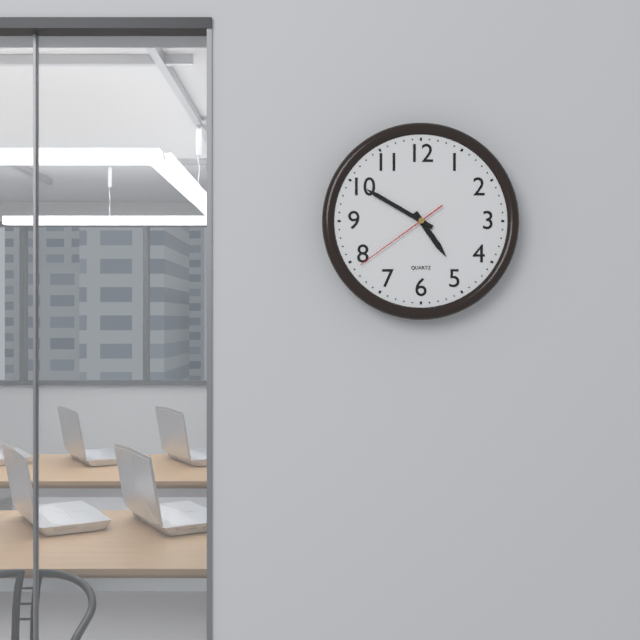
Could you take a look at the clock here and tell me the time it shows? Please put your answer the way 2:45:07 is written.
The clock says 4:50:39
